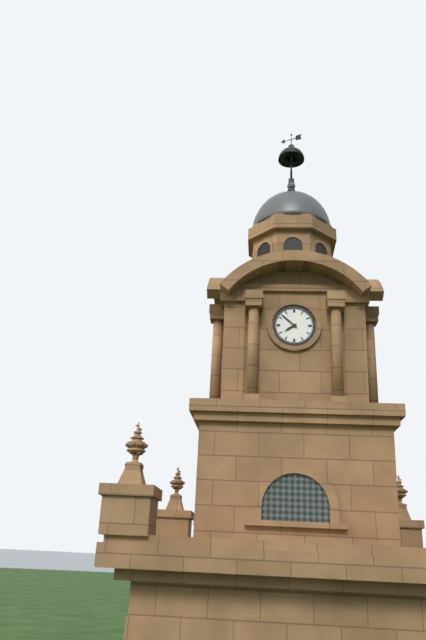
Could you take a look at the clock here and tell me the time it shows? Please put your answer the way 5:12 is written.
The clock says 7:52
